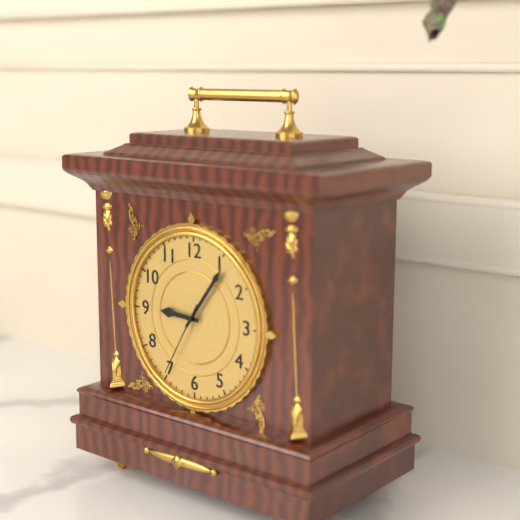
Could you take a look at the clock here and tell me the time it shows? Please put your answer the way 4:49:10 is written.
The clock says 9:06:35
